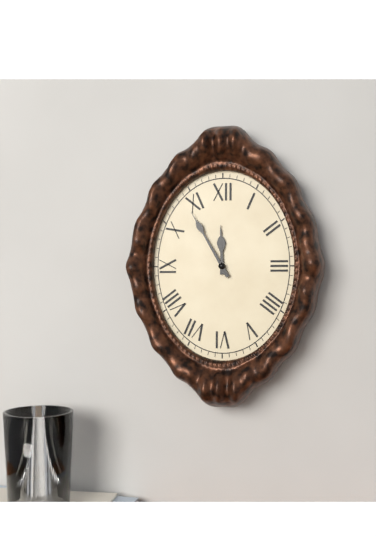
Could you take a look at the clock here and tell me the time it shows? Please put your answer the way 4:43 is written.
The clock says 11:55
